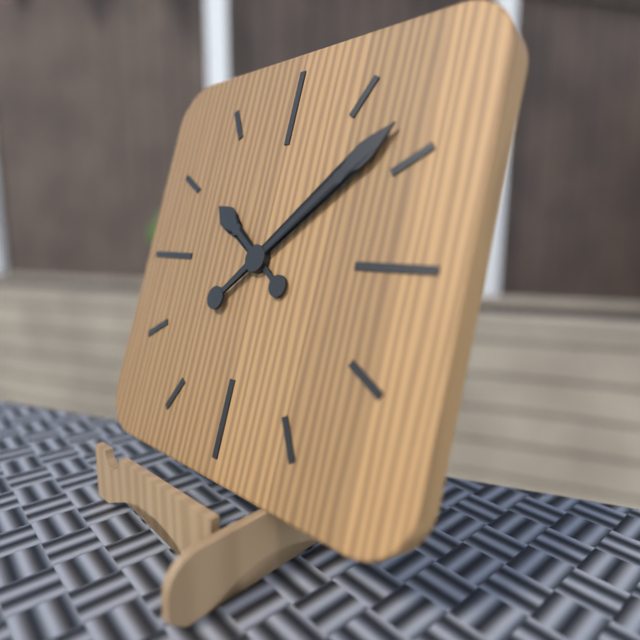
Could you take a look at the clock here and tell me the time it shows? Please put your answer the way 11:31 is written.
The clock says 10:08
